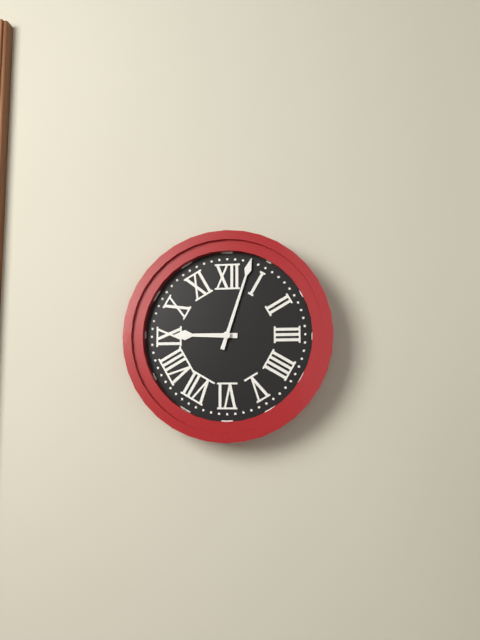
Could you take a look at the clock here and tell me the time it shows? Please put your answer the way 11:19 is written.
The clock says 9:03
